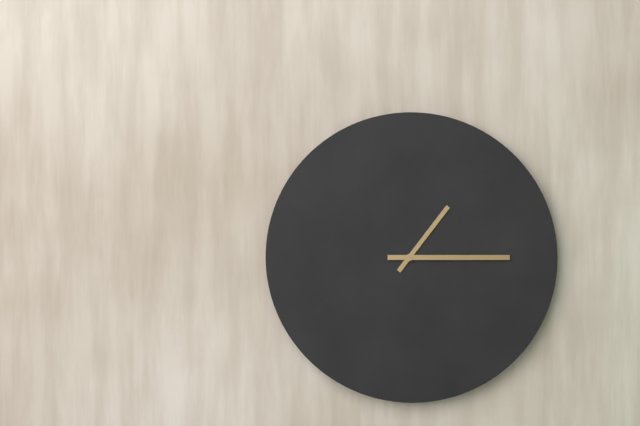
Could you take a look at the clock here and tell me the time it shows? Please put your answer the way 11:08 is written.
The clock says 1:15
